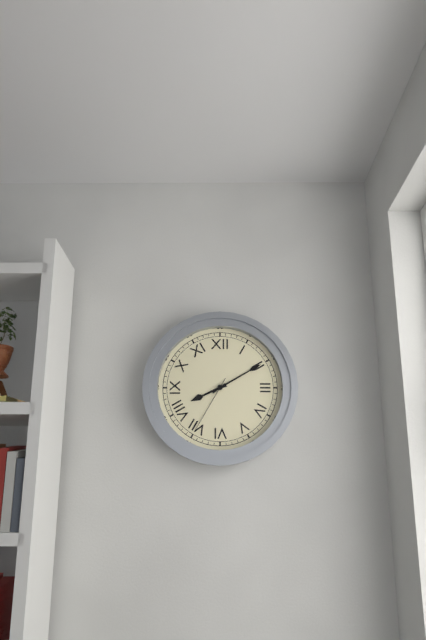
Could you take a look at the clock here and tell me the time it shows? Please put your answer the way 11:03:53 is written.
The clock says 8:10:35
